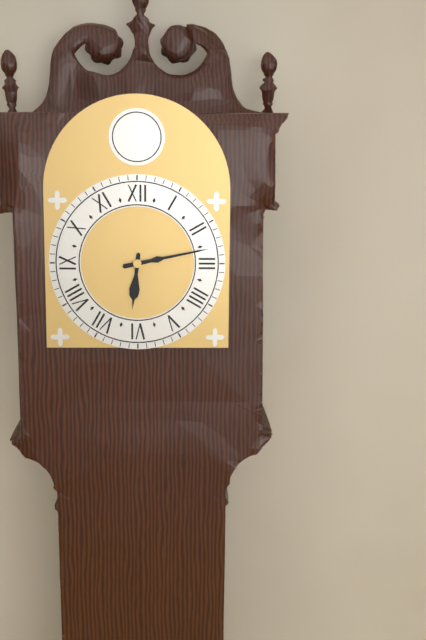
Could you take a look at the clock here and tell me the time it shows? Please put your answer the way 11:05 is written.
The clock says 6:13
